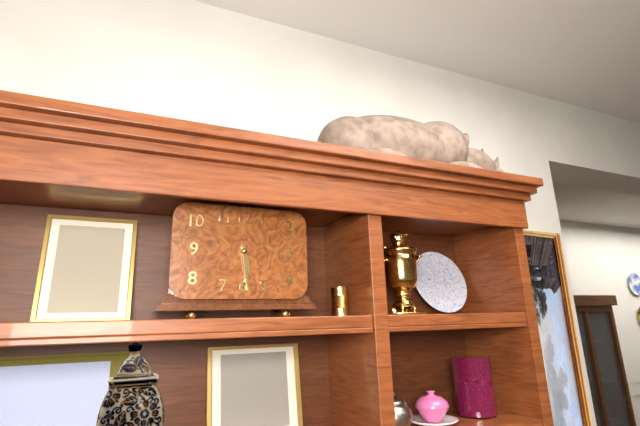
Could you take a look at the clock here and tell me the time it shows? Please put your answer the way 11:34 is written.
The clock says 5:29
